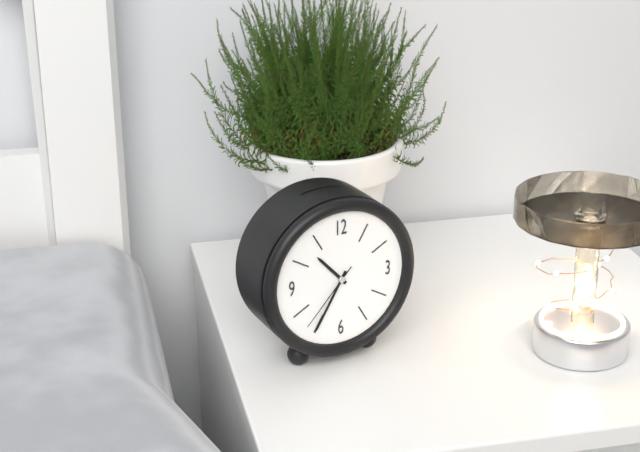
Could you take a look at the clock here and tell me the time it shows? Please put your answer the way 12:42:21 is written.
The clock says 10:35:37
